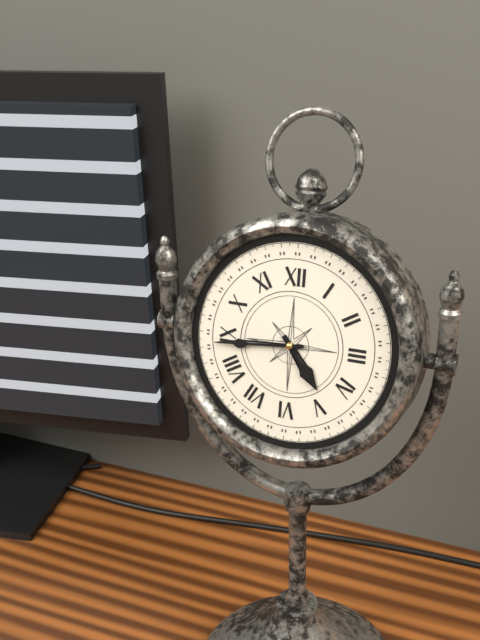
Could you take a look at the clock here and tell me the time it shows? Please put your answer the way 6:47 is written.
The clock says 4:44
